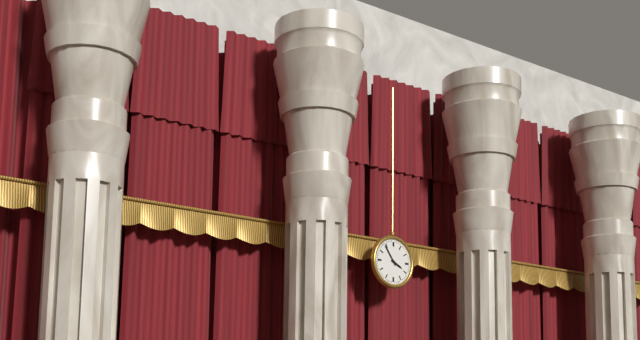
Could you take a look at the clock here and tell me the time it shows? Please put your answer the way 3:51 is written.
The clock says 3:54
